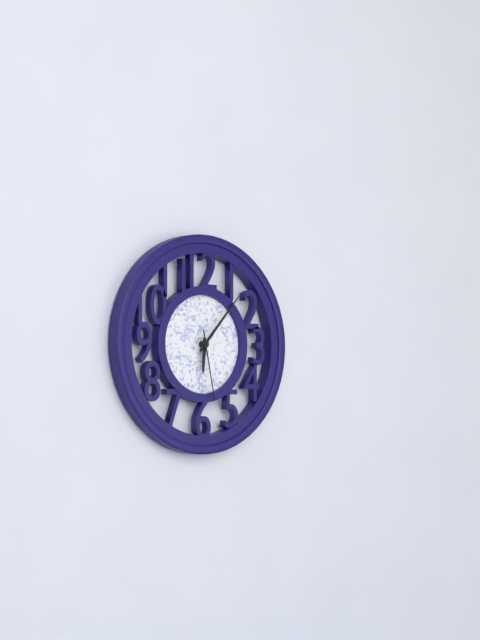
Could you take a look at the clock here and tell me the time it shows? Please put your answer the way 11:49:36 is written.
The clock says 6:07:28
